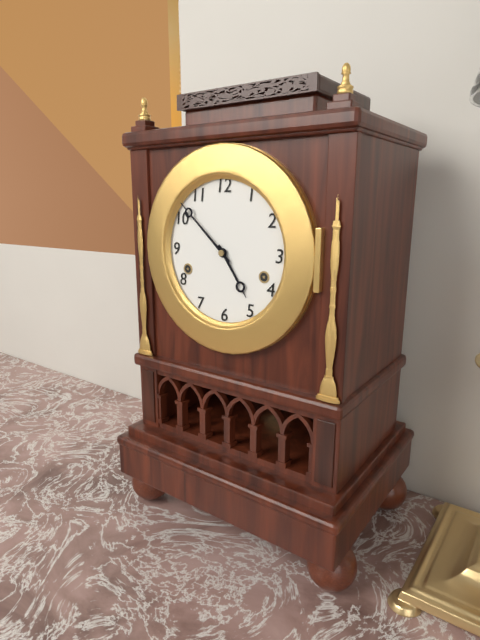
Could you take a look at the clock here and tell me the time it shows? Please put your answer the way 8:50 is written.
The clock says 4:52
